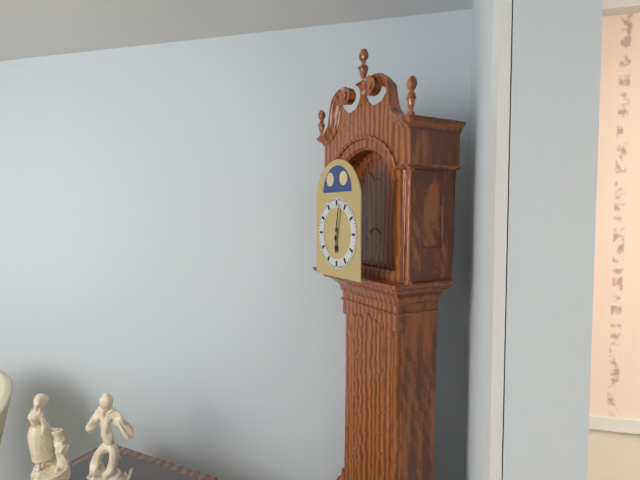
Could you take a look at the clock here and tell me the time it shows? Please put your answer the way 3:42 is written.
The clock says 6:02
